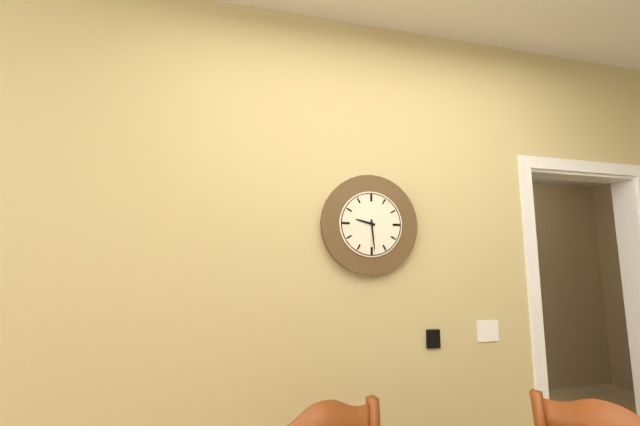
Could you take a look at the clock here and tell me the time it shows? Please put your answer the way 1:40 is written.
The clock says 9:29
